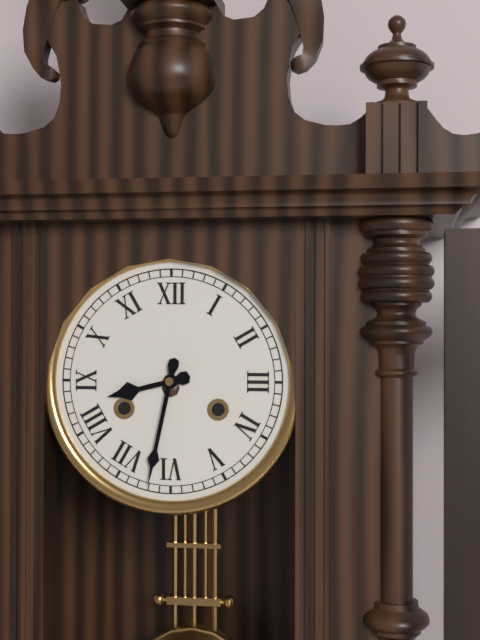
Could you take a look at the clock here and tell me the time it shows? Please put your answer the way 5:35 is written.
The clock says 8:32
